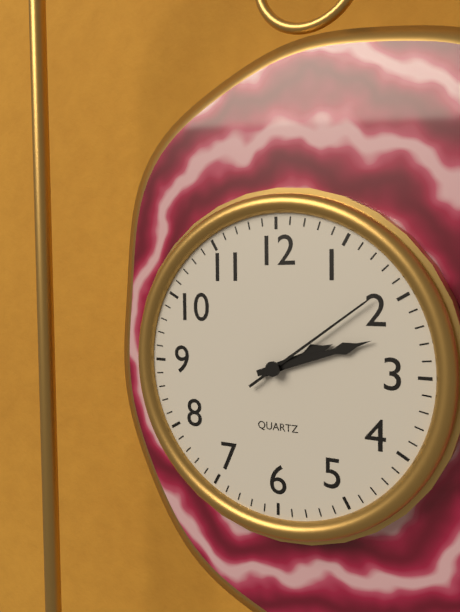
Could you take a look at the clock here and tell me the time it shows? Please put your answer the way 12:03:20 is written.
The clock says 2:12:09
